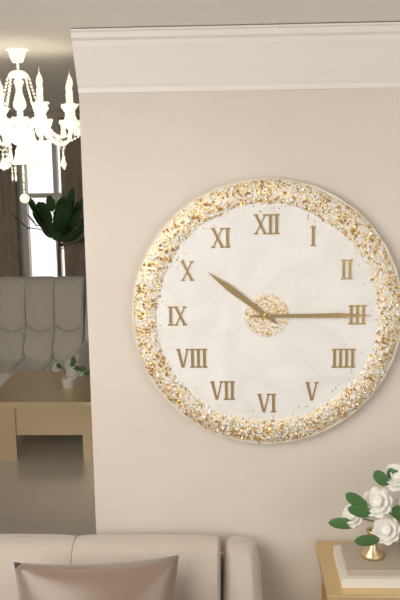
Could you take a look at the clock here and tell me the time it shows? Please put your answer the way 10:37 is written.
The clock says 10:15
